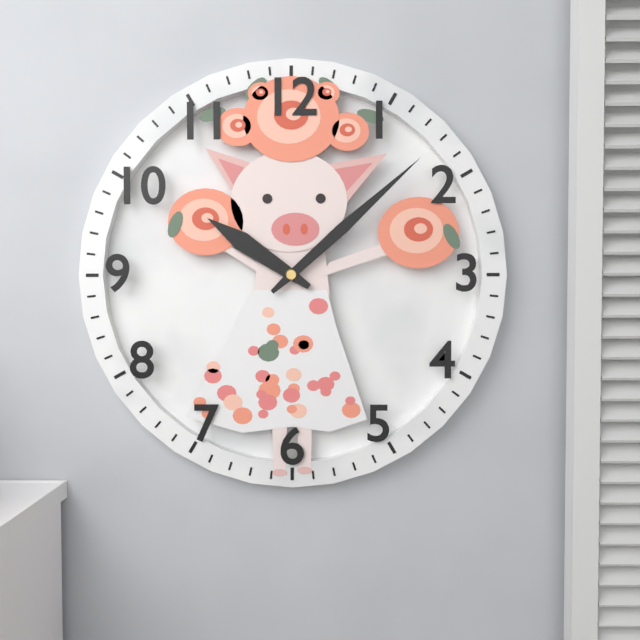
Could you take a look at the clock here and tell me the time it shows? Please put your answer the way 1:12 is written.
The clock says 10:08
